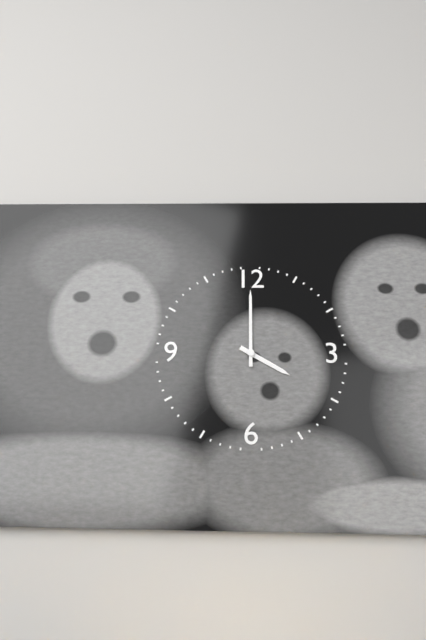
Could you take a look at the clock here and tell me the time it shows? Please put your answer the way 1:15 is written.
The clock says 4:00
